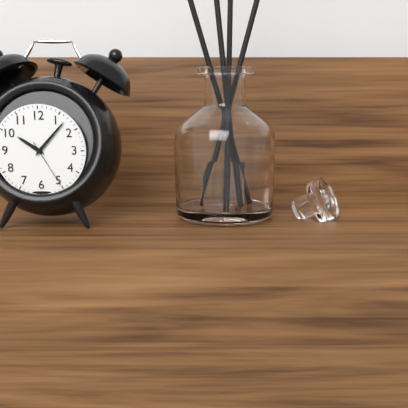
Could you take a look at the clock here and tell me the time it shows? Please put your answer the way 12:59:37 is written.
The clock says 10:07:25
